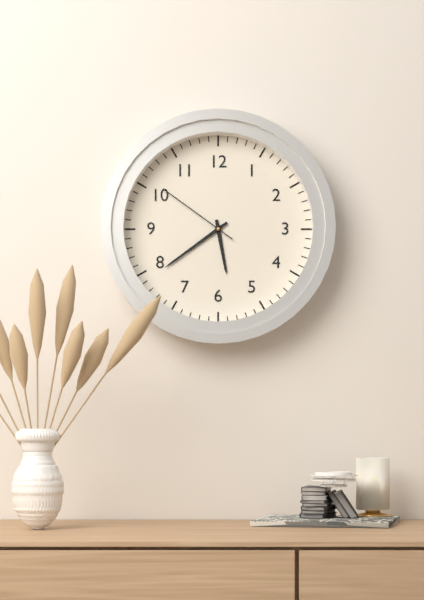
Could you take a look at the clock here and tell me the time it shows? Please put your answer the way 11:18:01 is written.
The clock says 5:39:51
